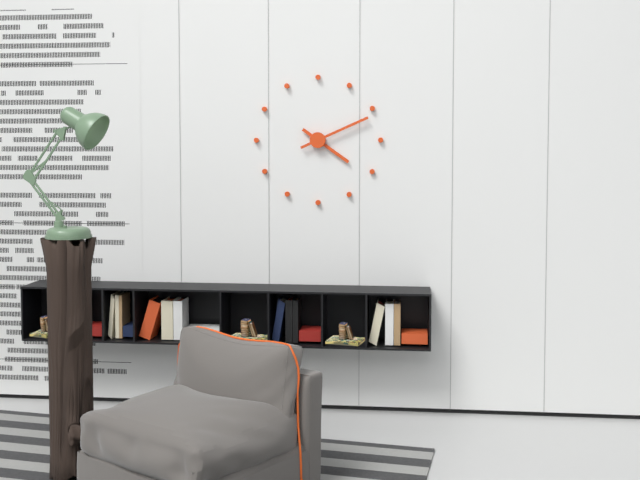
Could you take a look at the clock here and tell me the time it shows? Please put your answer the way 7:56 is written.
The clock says 4:11
